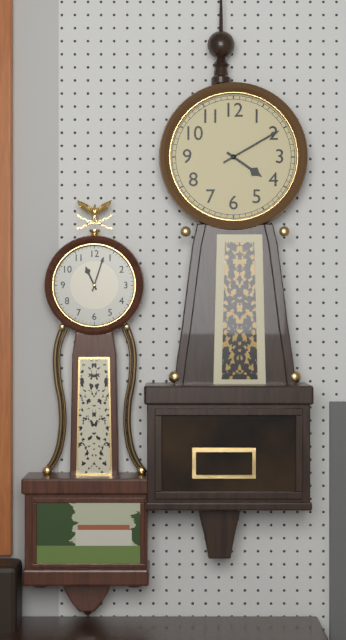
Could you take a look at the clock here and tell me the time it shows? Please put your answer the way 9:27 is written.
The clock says 4:10
